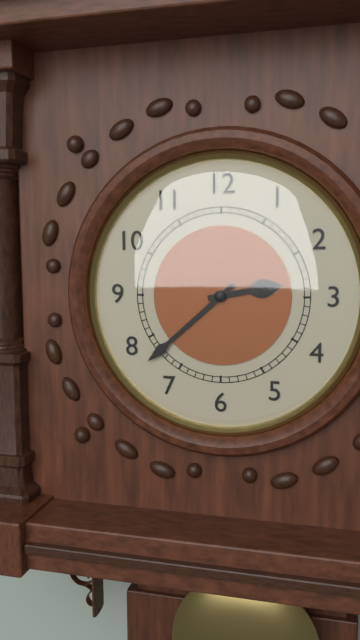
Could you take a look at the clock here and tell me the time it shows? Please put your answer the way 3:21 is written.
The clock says 2:38
